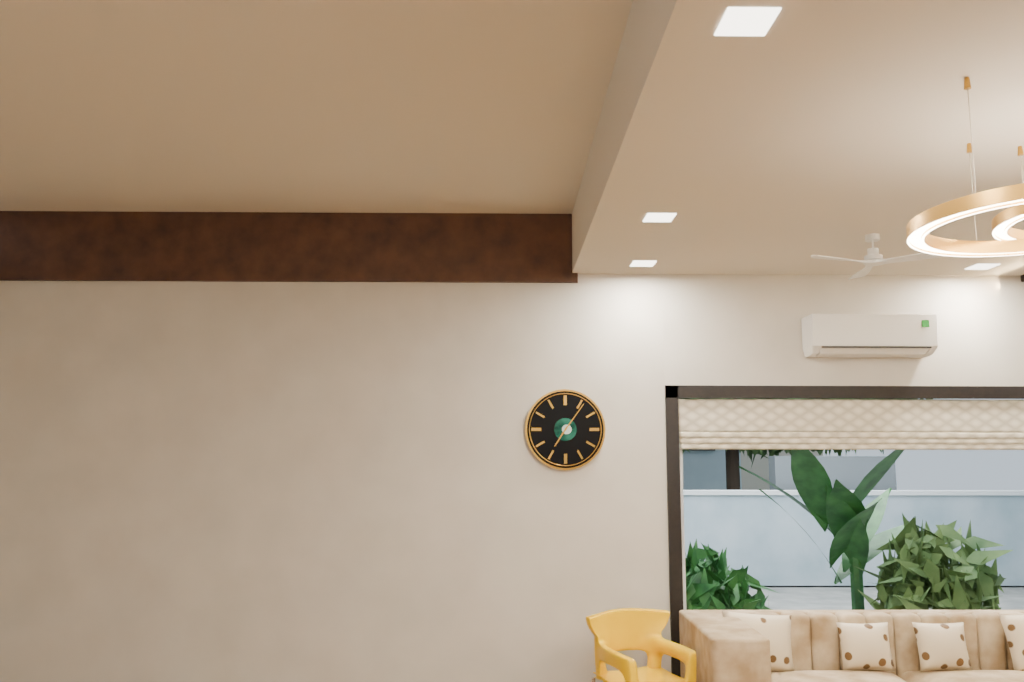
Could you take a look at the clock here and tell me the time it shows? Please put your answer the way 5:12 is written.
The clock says 7:06
